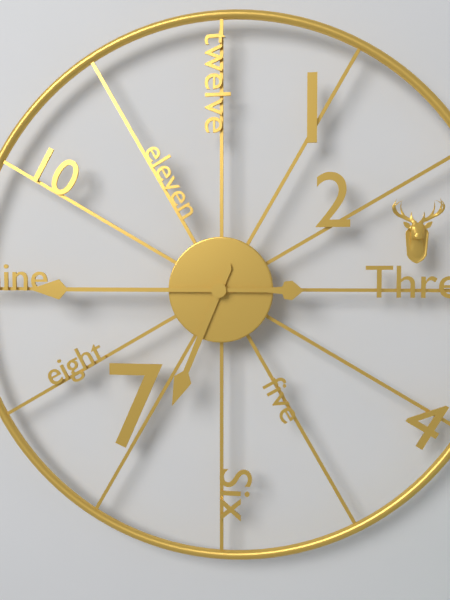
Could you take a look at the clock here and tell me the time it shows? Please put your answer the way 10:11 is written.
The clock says 6:45
